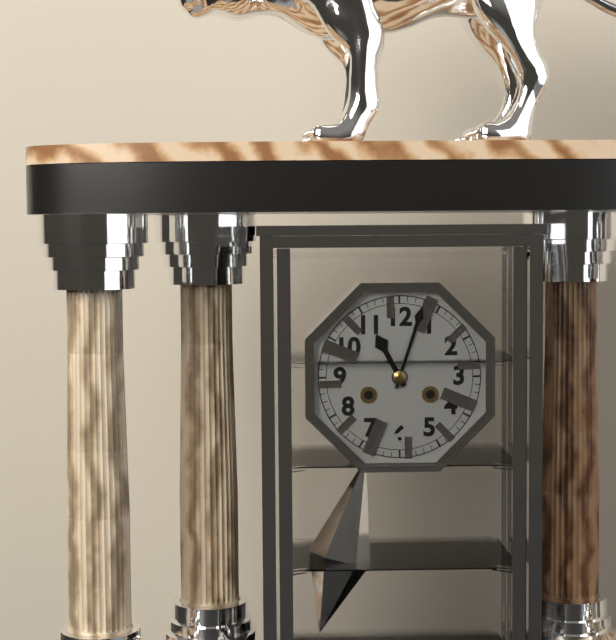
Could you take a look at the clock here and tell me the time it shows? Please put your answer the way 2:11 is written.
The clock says 11:03
